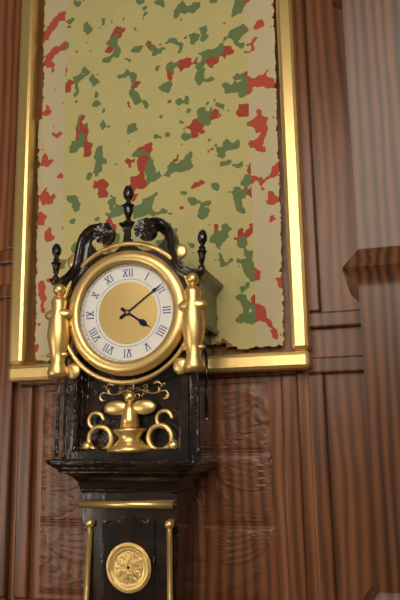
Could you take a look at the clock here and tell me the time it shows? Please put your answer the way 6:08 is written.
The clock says 4:09
